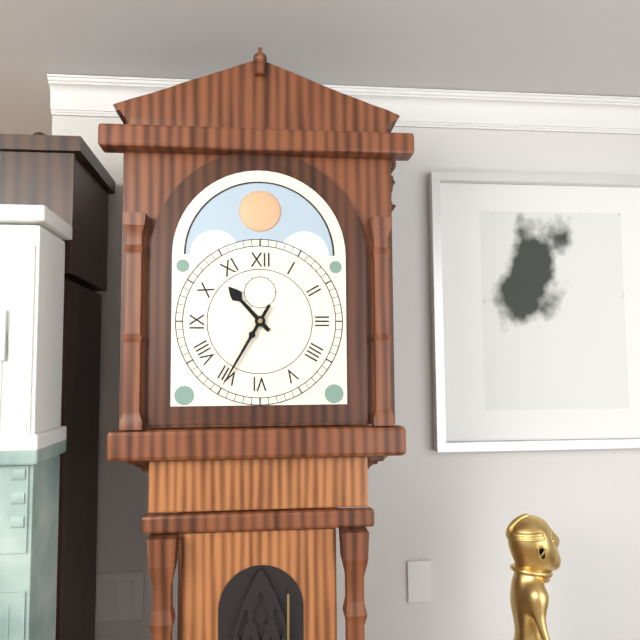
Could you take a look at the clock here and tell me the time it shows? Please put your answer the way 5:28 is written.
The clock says 10:35
